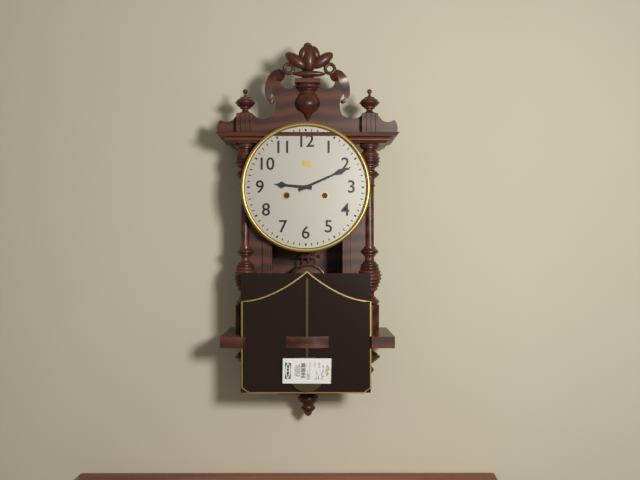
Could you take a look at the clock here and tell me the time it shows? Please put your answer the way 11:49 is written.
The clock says 9:11
